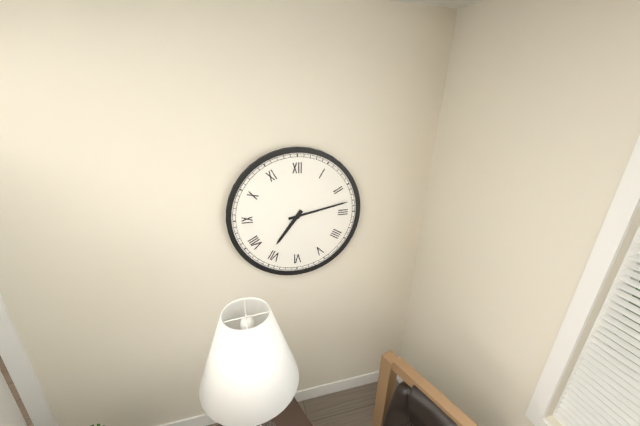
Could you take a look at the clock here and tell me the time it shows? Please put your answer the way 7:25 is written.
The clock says 7:13
